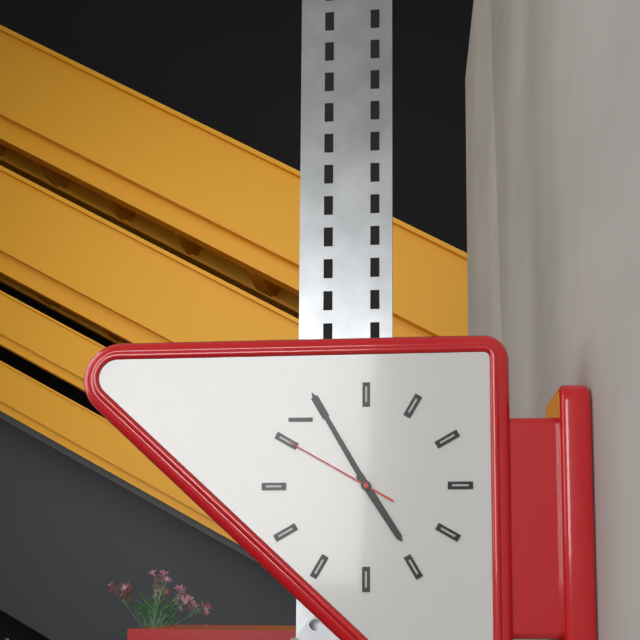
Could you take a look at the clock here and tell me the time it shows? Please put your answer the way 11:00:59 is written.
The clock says 4:55:50
